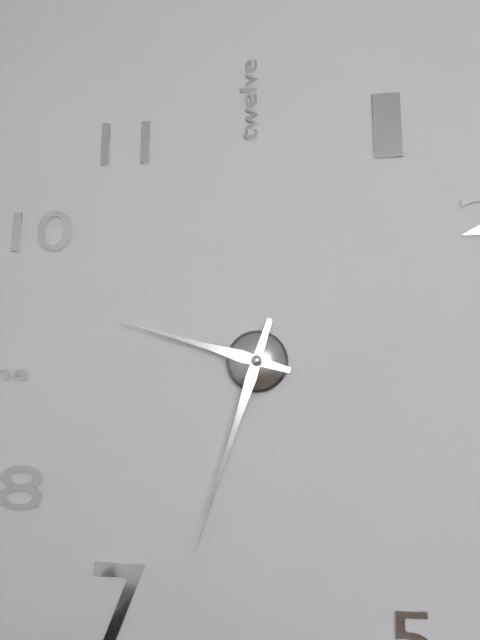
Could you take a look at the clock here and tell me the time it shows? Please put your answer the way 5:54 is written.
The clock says 9:33
